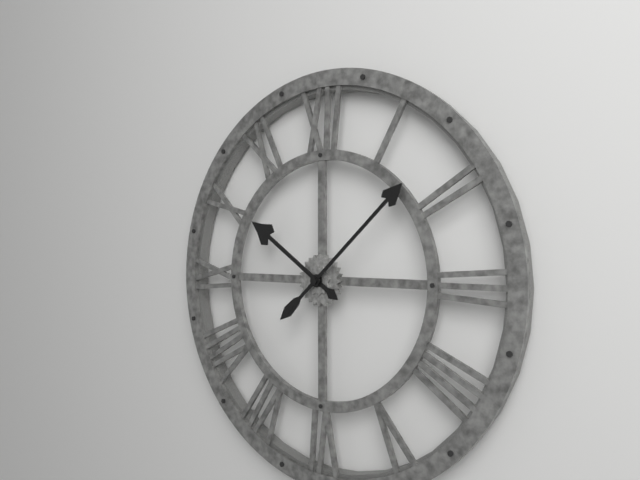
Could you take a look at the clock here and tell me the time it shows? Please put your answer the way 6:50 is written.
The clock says 10:08
